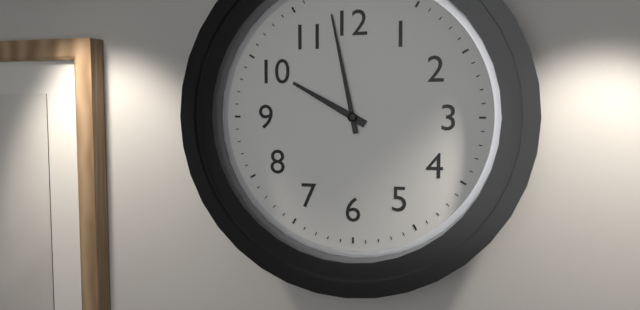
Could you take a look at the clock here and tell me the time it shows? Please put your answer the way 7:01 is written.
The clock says 9:58
